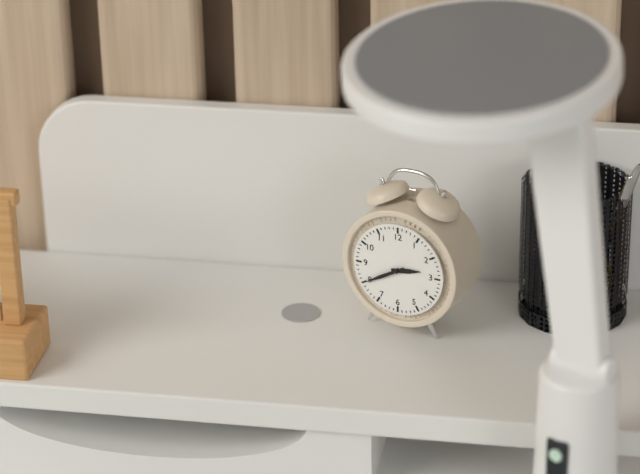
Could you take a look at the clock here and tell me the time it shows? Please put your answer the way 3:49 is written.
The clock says 2:40
